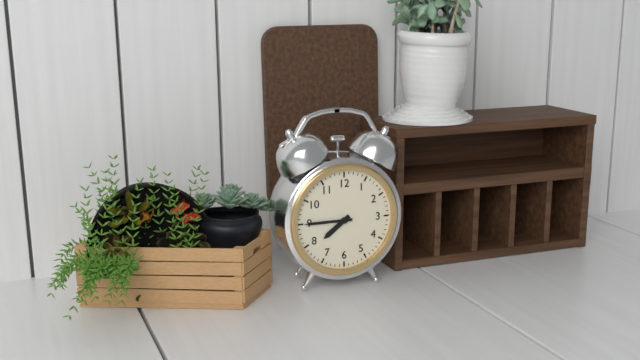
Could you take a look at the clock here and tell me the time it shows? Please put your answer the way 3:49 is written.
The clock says 7:45
